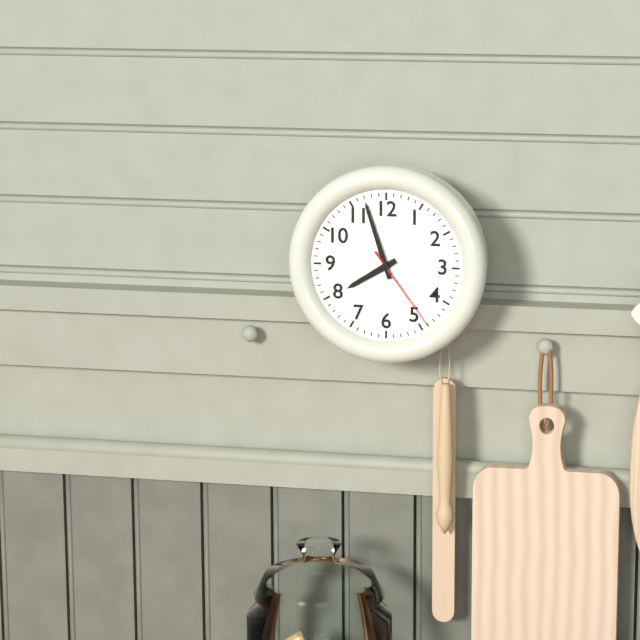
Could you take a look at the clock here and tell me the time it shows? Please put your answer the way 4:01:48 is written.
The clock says 7:57:24
